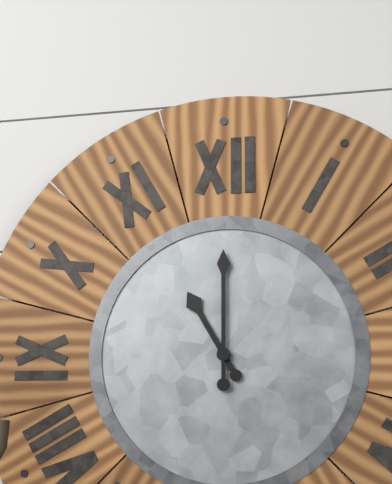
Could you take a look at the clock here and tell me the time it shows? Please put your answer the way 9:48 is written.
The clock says 11:00
